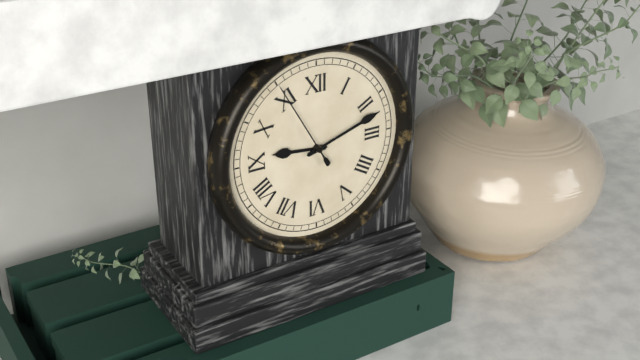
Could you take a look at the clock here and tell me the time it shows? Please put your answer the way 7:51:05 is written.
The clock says 9:12:55
